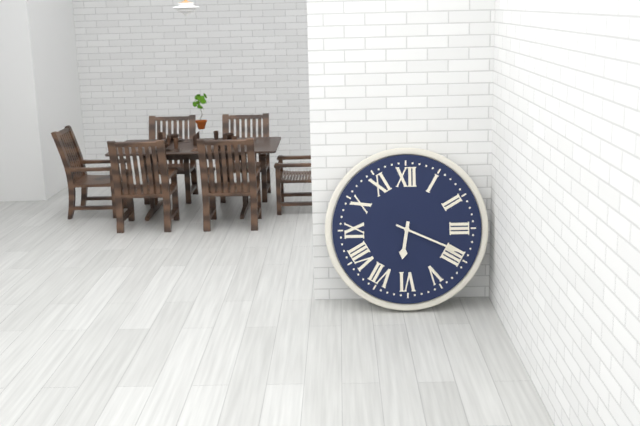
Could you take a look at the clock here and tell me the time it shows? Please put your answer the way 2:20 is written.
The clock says 6:19
